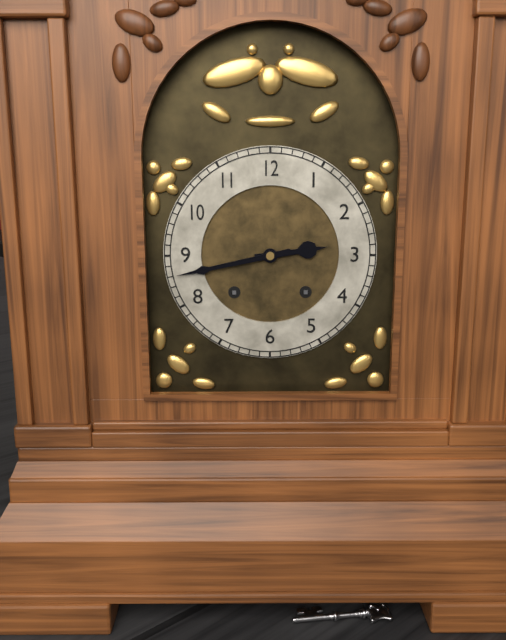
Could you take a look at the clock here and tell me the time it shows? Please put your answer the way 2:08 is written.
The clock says 2:43
